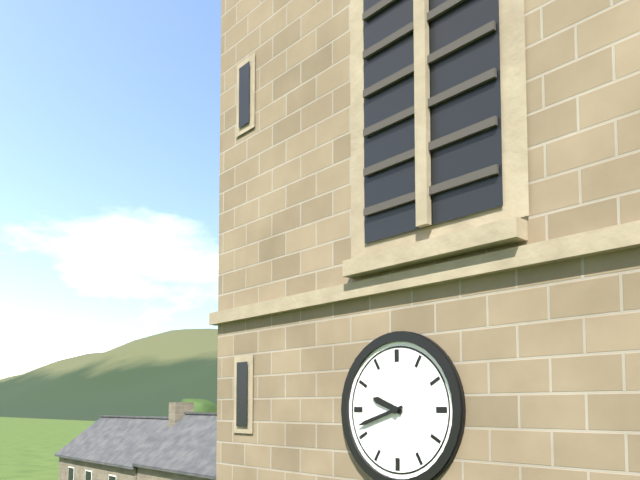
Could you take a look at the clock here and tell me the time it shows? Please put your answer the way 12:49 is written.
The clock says 9:42
